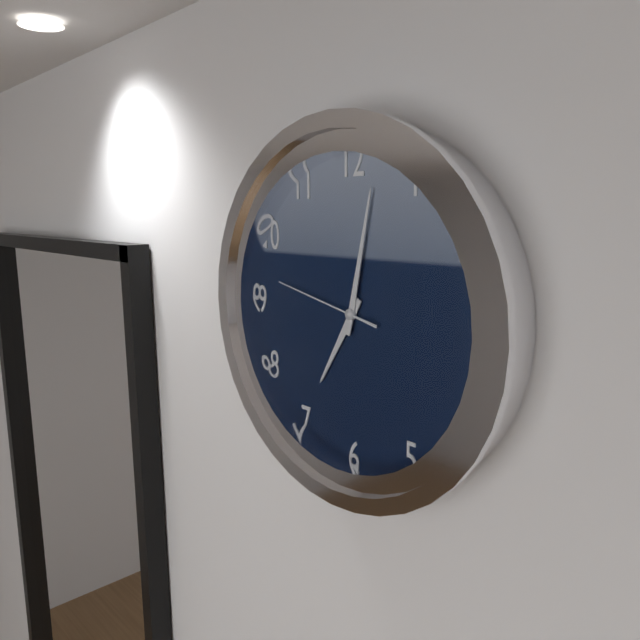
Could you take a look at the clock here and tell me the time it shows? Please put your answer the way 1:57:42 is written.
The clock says 7:02:47
